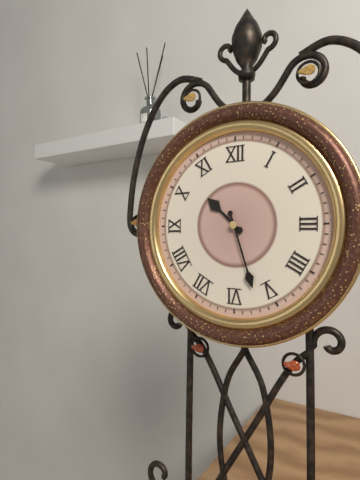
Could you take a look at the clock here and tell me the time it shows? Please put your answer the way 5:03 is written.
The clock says 10:27
